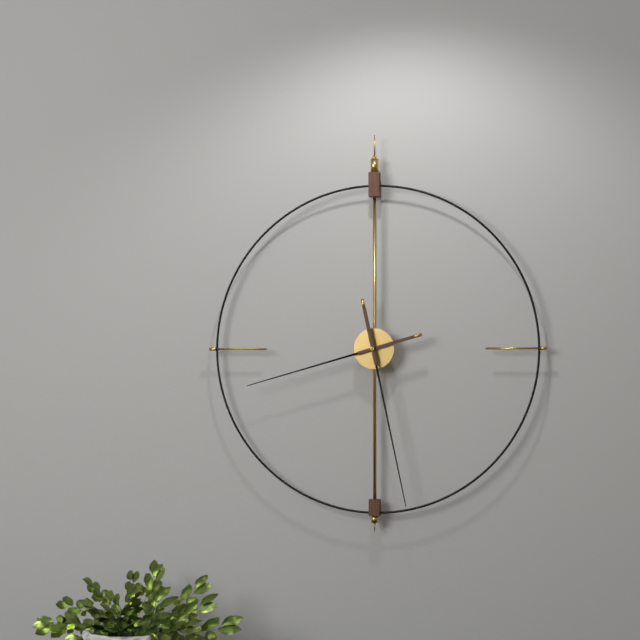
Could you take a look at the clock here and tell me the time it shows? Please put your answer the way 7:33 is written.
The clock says 8:28
